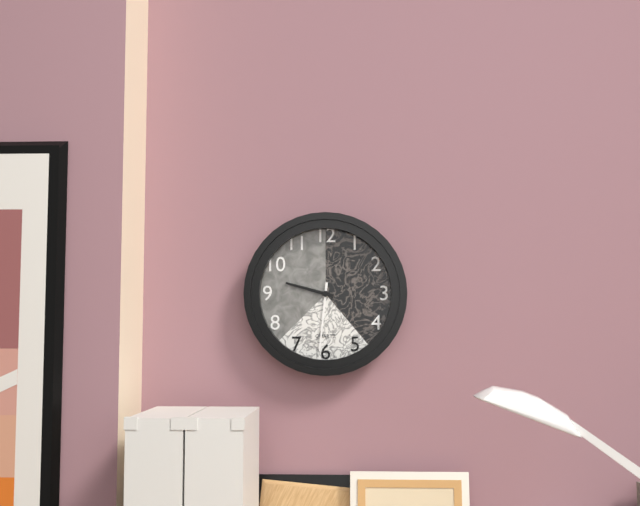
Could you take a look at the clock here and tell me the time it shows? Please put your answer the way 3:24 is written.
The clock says 9:31
